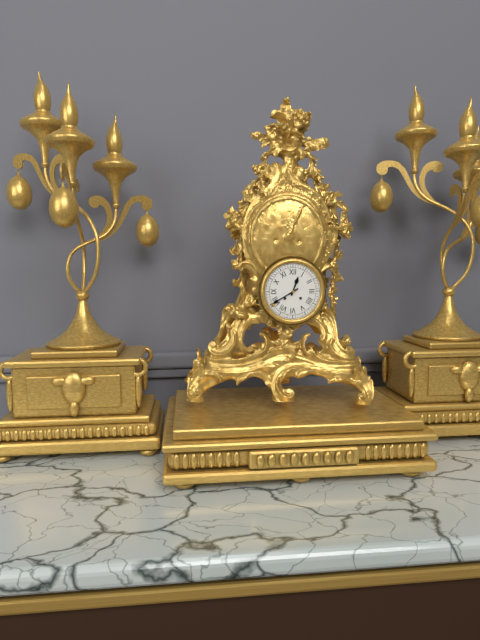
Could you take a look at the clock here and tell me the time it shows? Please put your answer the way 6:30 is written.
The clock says 12:40
